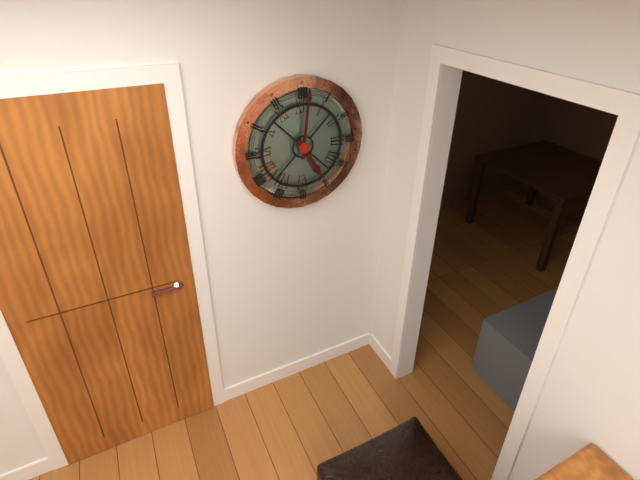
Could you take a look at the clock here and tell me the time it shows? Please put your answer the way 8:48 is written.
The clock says 5:01
